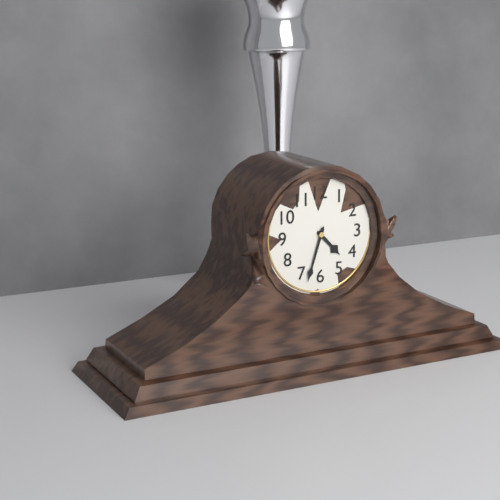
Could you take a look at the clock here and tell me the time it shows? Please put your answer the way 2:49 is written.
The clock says 4:33
